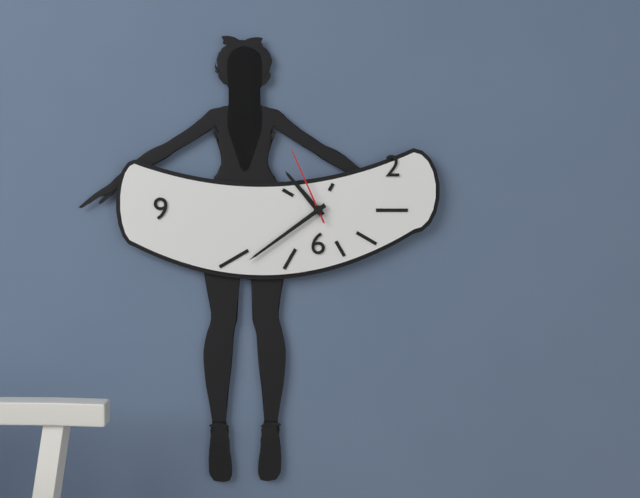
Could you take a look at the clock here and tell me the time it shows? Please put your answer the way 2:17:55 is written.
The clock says 10:39:56
